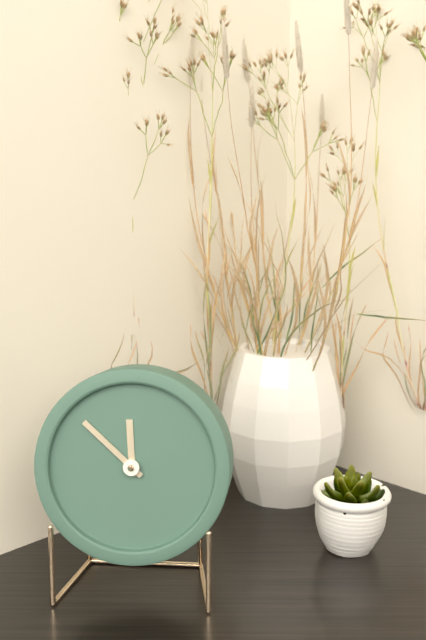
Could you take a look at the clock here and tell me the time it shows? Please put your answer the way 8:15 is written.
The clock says 11:52
